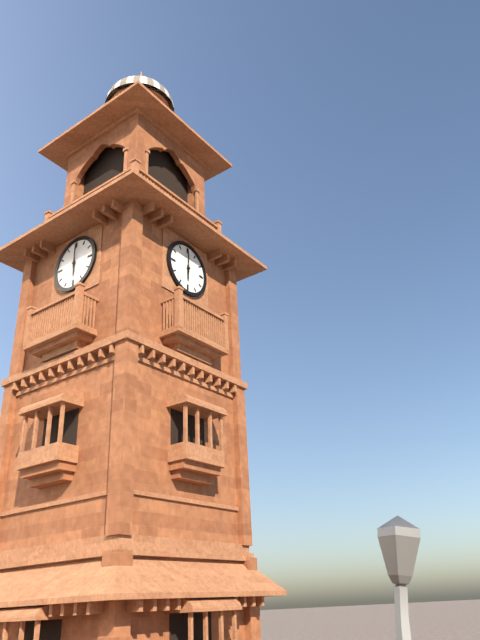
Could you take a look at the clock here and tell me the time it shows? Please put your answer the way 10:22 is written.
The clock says 6:00
